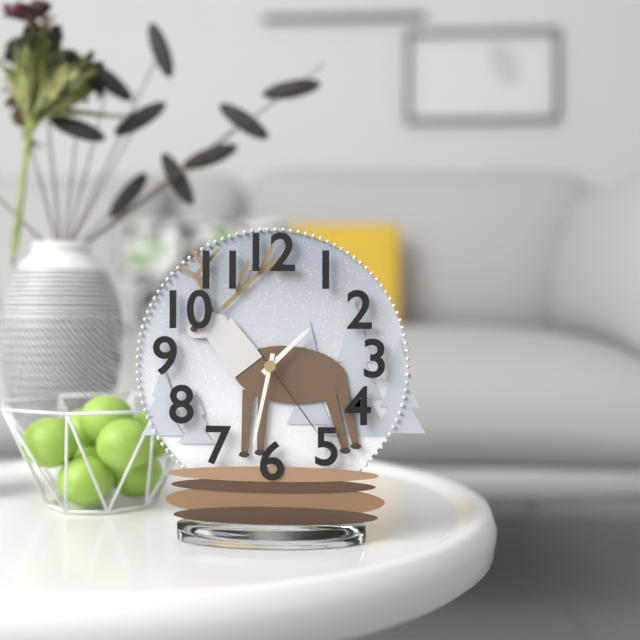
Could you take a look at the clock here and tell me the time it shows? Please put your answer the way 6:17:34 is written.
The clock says 1:32:24
